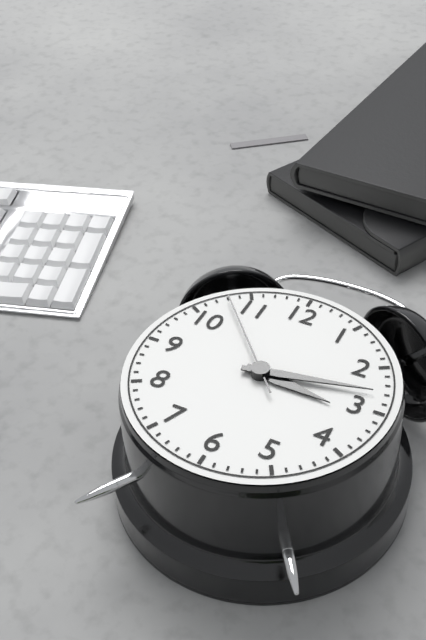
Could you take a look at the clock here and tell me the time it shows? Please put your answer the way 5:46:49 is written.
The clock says 3:13:53
